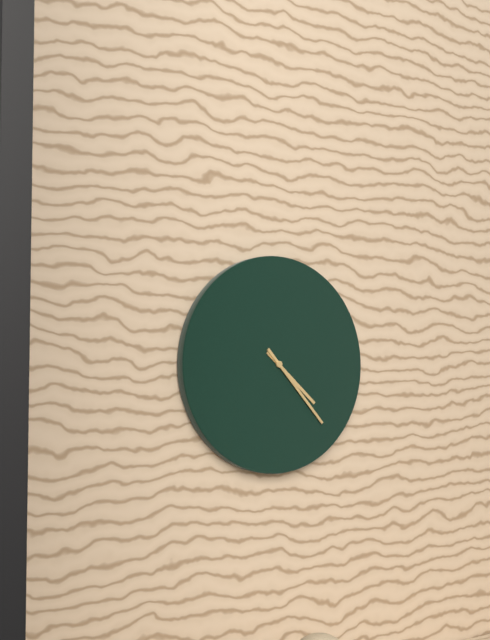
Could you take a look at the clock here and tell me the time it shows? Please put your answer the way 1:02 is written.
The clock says 4:23
